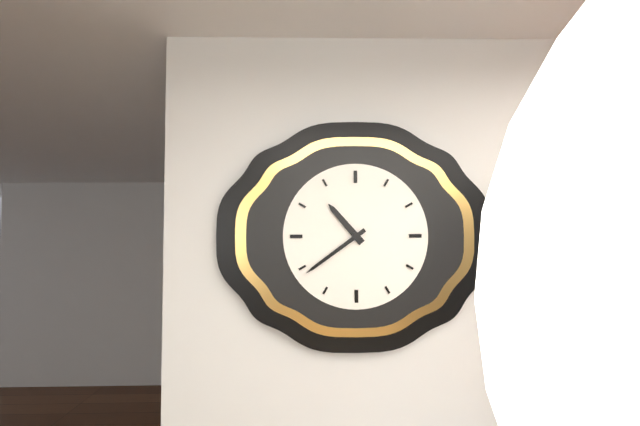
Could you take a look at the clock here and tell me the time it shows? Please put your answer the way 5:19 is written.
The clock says 10:39
